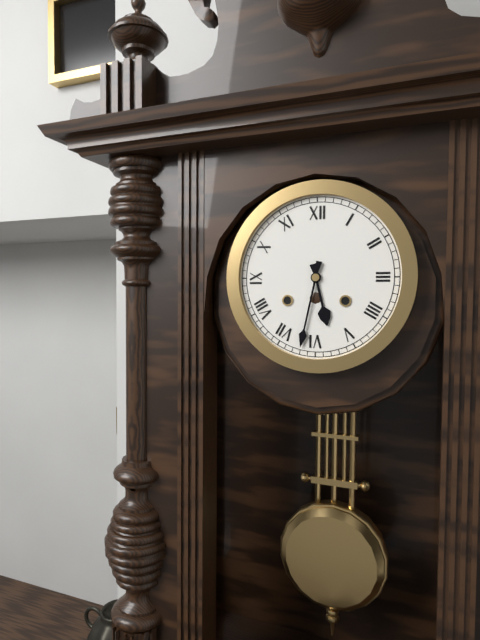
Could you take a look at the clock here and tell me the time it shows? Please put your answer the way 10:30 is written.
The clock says 5:32
